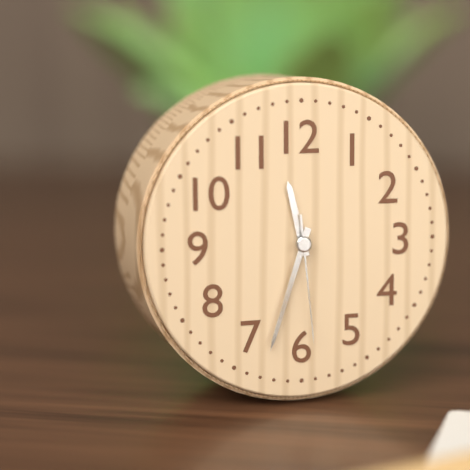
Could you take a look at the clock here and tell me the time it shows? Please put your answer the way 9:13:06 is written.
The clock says 11:33:29
